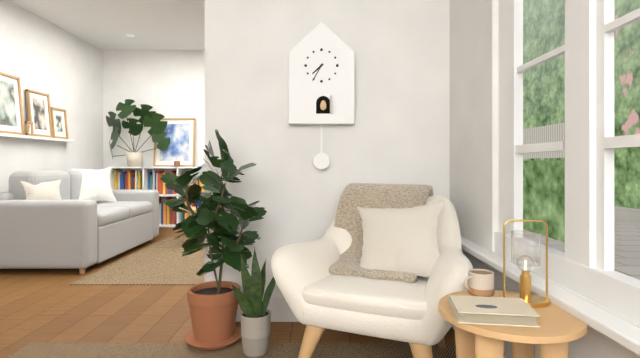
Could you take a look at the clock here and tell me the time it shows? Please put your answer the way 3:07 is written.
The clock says 7:35
